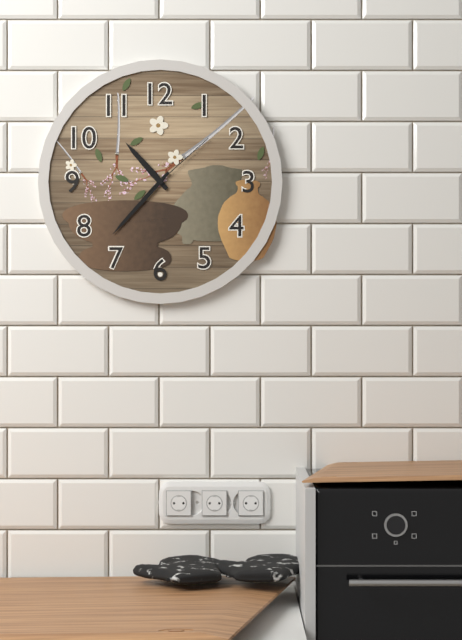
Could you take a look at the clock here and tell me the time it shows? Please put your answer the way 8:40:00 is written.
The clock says 10:37:08
